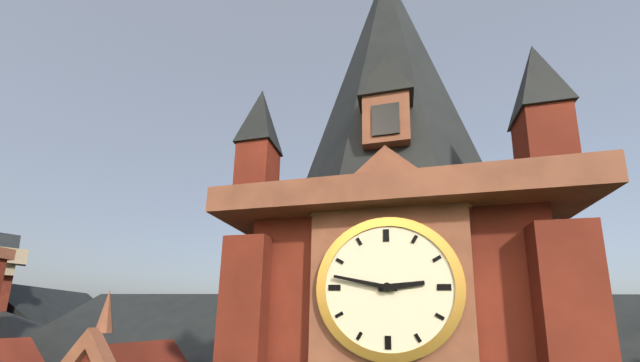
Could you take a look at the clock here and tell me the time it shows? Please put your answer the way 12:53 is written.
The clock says 2:47
